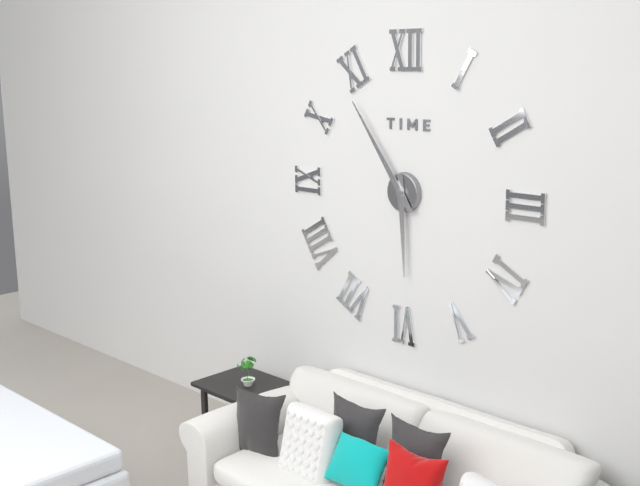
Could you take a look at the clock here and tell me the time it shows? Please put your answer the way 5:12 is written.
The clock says 5:54
